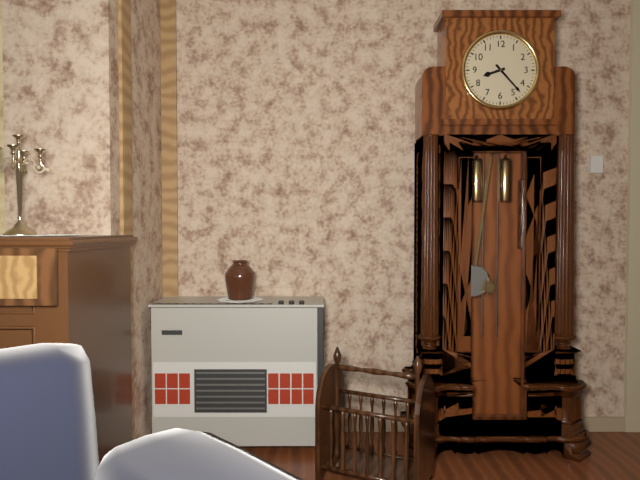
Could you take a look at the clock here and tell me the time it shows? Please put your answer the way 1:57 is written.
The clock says 8:23
